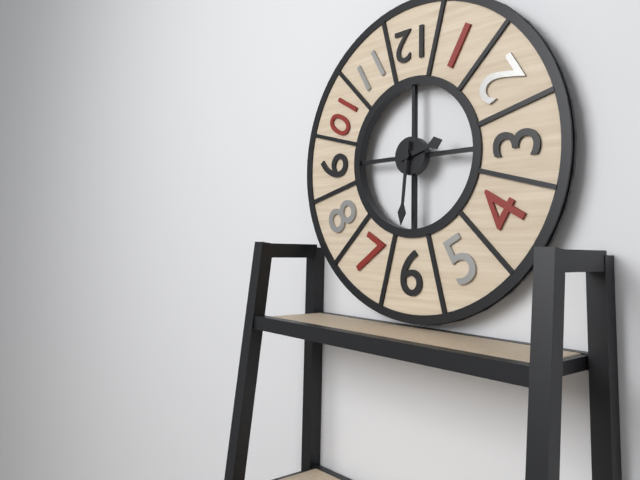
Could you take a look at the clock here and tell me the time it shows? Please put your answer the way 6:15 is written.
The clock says 2:31
